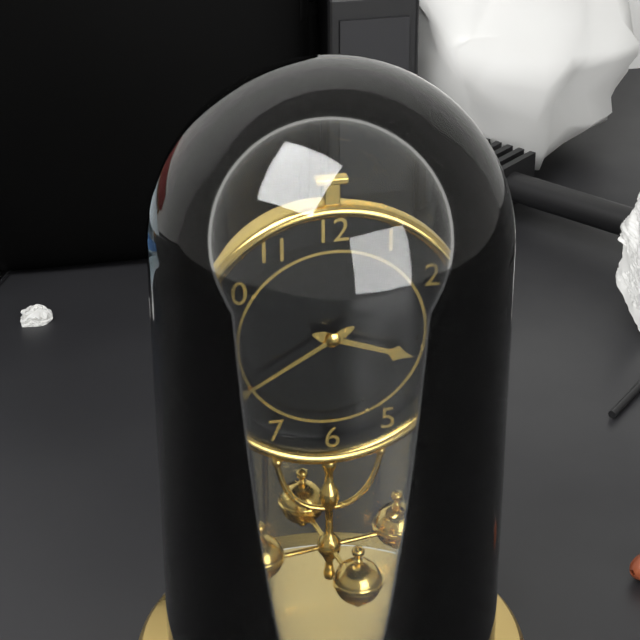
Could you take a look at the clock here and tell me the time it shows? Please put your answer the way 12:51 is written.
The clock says 3:40
